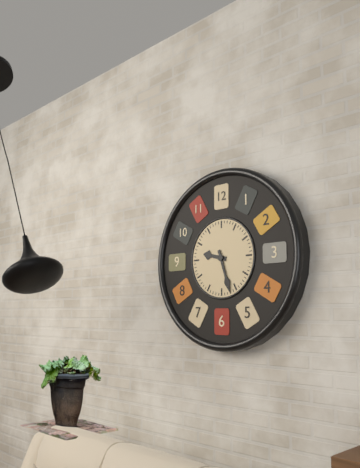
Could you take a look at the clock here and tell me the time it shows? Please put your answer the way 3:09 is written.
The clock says 9:27
